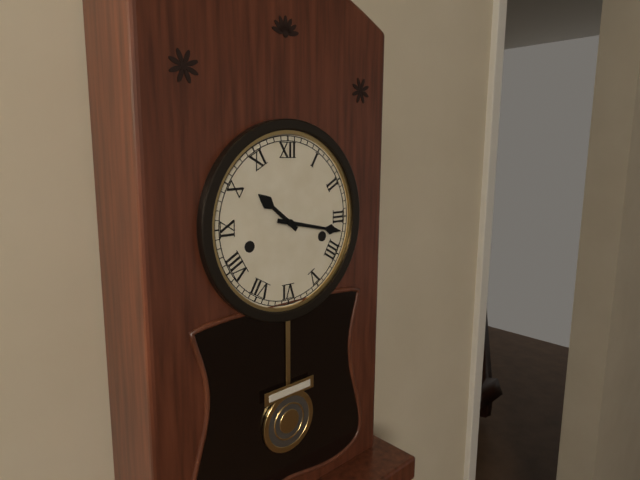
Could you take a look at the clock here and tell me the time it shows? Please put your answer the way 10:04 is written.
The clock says 10:17
